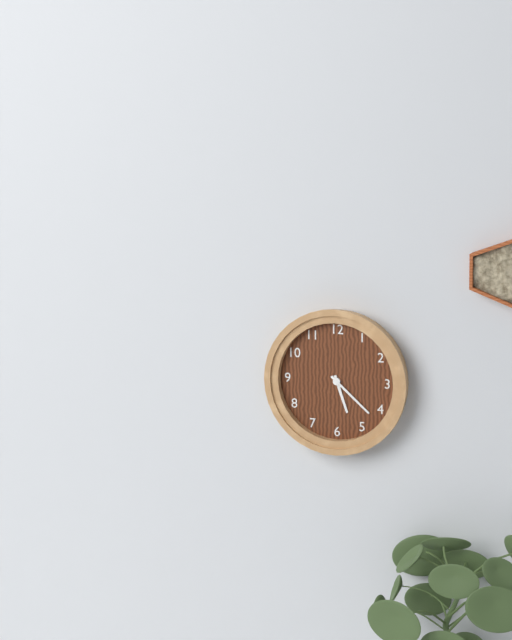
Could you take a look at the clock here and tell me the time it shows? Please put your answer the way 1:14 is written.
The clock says 5:22
